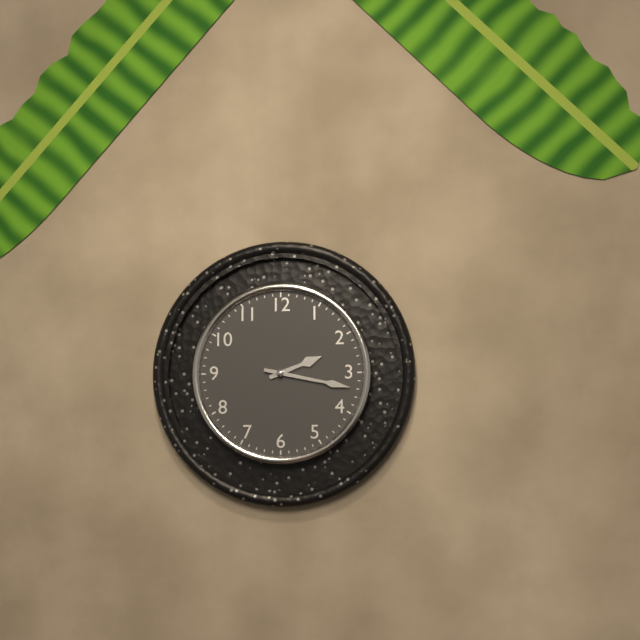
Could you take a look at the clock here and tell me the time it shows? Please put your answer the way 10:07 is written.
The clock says 2:17
